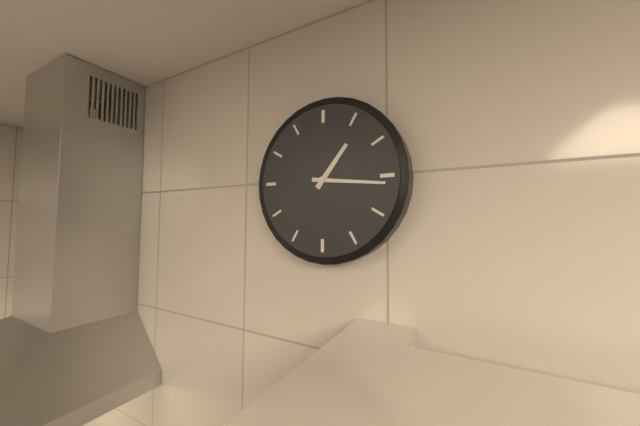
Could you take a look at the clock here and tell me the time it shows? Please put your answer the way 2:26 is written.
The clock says 1:16
